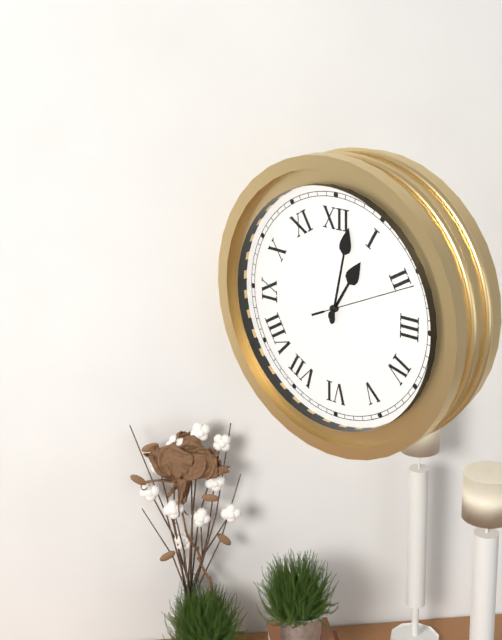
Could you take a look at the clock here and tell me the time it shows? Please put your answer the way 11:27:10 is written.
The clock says 1:02:11
